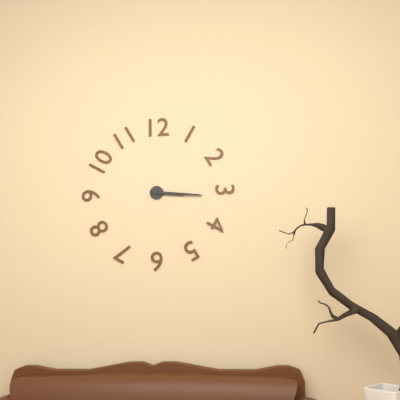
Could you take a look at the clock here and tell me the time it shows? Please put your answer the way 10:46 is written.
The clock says 3:16
